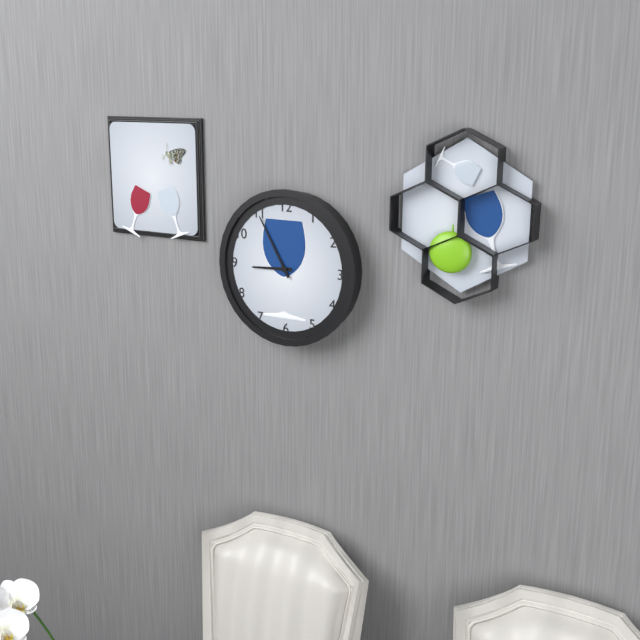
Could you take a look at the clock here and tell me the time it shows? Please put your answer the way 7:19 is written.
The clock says 8:55
